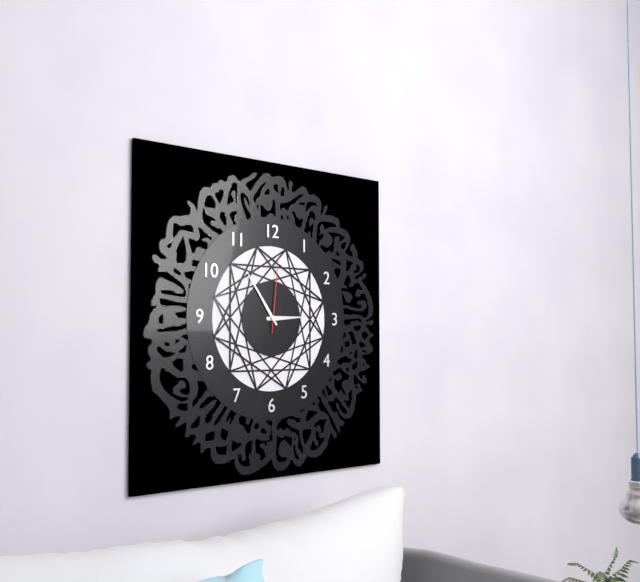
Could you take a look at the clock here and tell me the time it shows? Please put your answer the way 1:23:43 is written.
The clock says 2:54:01
